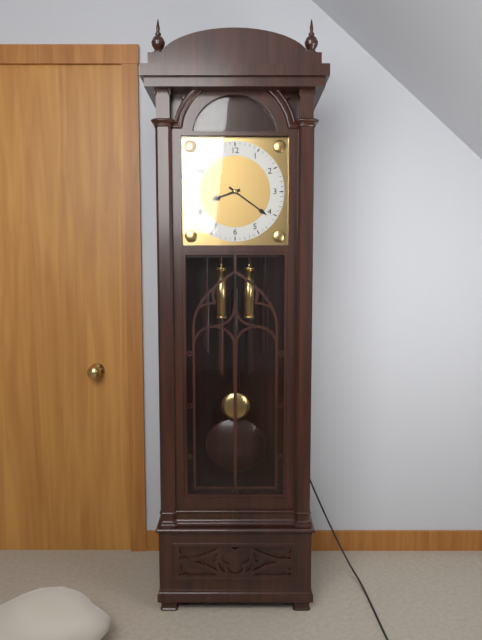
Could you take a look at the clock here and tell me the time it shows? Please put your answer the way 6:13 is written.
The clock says 8:21
